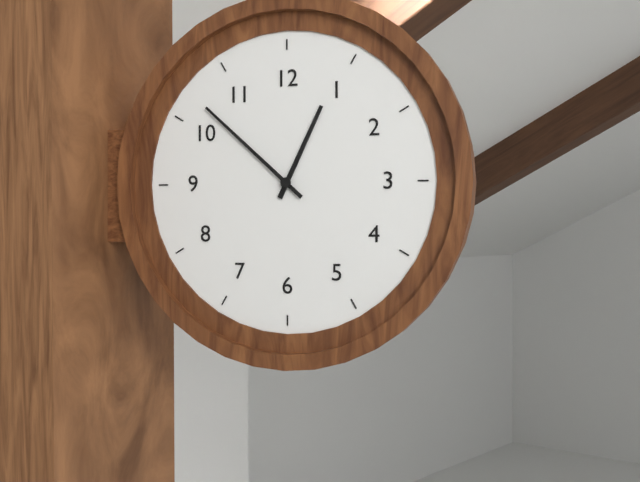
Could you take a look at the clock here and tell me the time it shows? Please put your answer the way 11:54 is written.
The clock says 12:52
